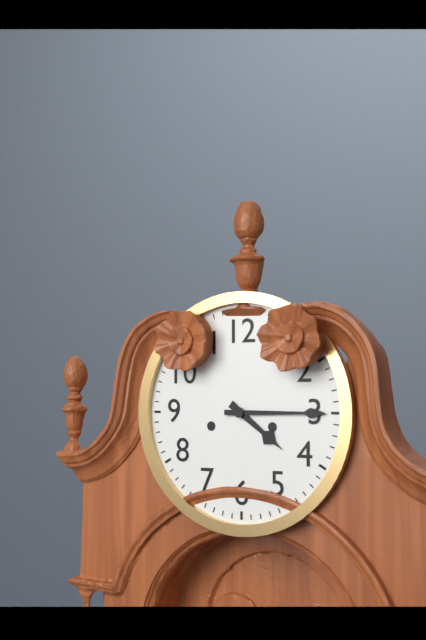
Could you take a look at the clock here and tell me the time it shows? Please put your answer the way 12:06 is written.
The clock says 4:15
